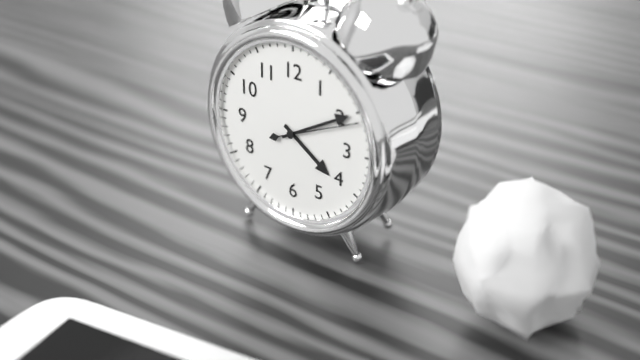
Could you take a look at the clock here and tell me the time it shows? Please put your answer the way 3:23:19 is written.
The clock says 4:10:11
